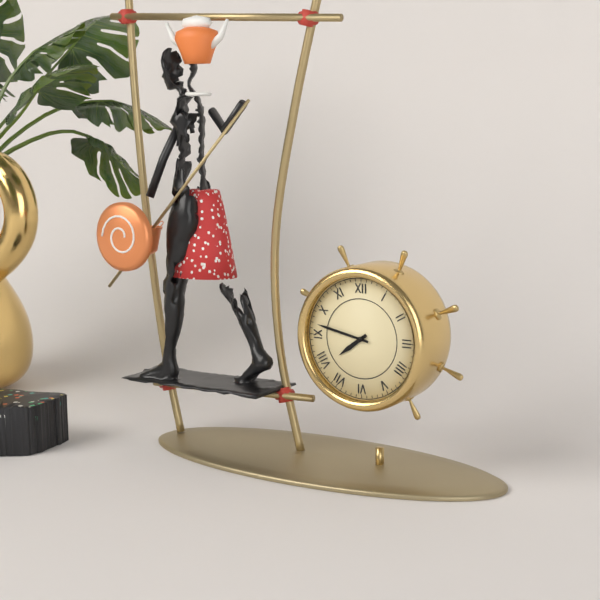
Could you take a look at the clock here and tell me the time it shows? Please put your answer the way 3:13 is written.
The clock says 7:47
